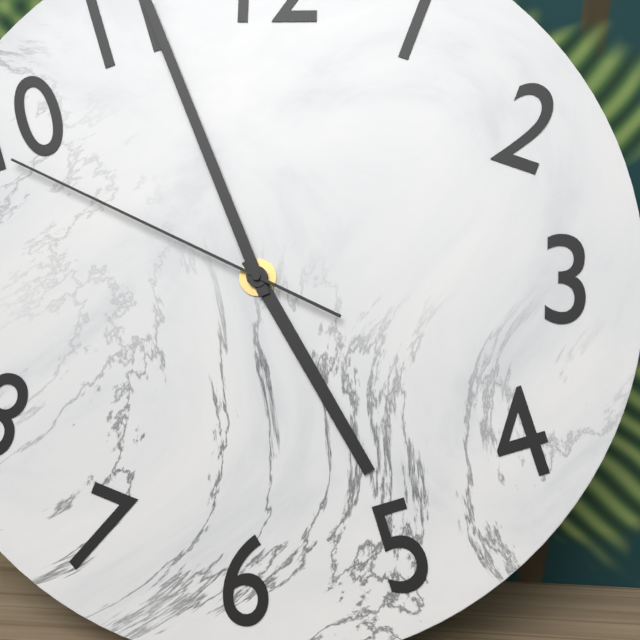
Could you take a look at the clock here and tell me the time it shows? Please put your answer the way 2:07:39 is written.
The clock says 4:56:49
